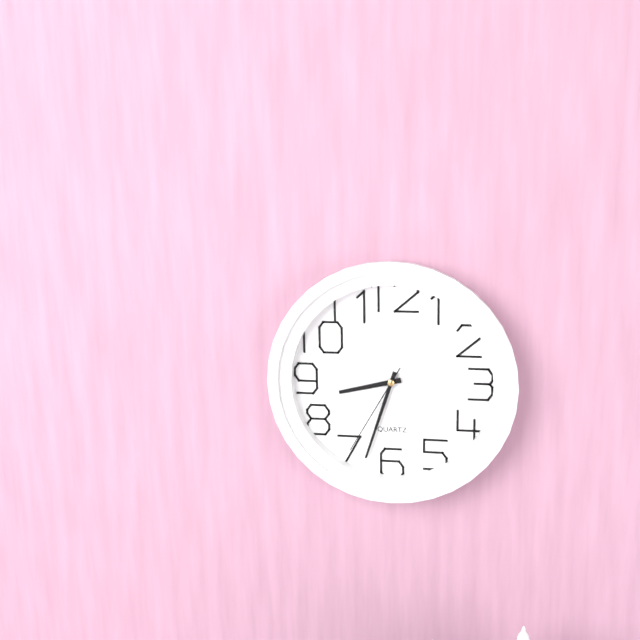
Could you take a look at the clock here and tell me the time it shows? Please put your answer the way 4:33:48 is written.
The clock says 8:33:35
